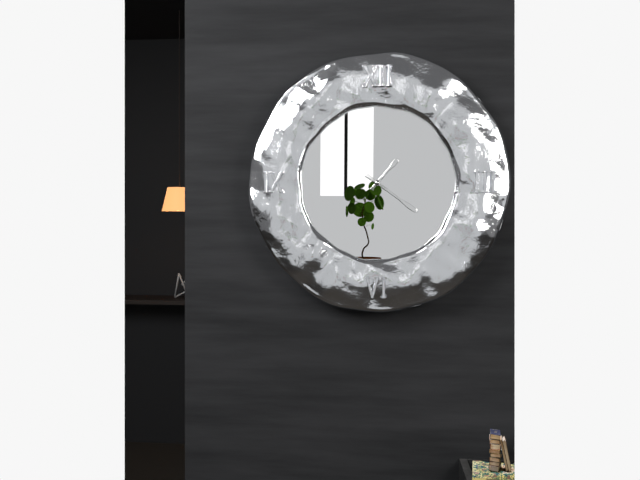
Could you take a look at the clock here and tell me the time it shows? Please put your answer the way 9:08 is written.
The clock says 1:21
